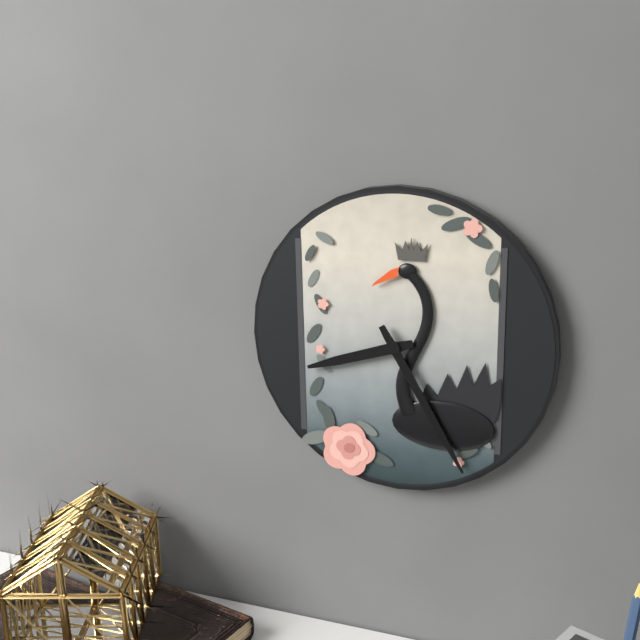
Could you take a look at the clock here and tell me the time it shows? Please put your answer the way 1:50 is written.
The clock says 8:25
